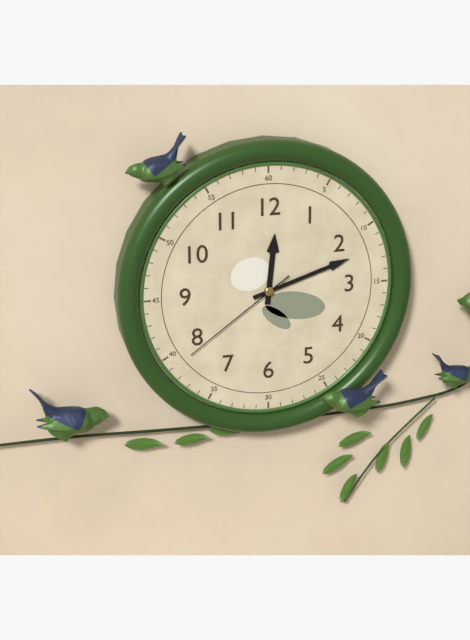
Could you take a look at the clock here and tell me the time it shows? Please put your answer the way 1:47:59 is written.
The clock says 12:12:39
